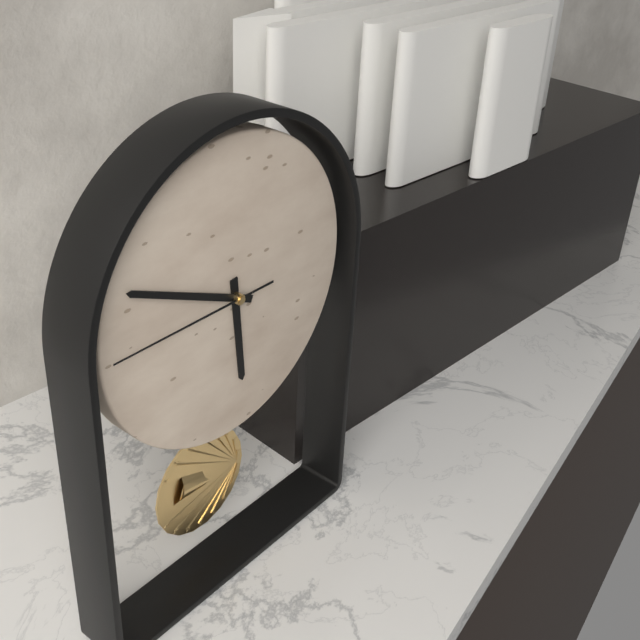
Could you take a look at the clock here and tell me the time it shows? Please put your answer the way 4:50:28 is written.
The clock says 5:49:45
